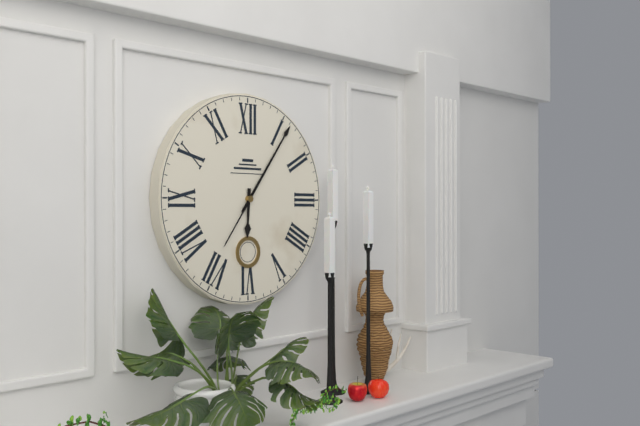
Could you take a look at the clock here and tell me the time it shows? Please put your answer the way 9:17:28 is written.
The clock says 6:06:36
